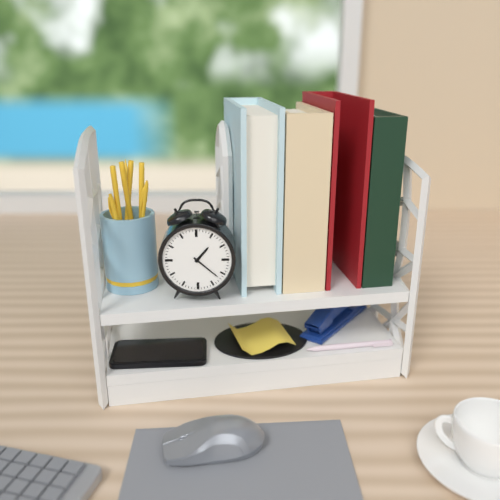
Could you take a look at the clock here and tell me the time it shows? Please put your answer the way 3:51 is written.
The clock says 1:22
